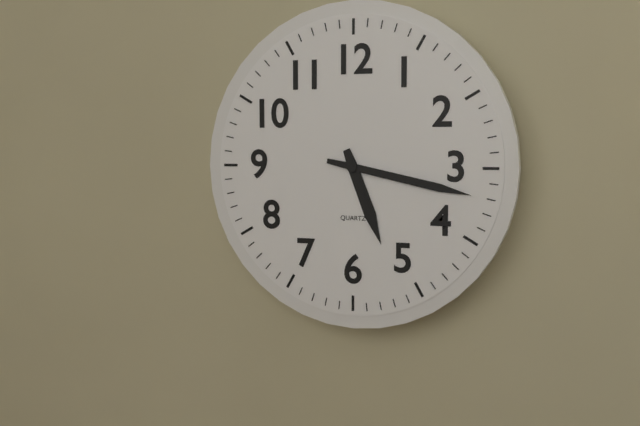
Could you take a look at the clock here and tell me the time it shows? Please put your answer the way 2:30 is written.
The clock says 5:17
